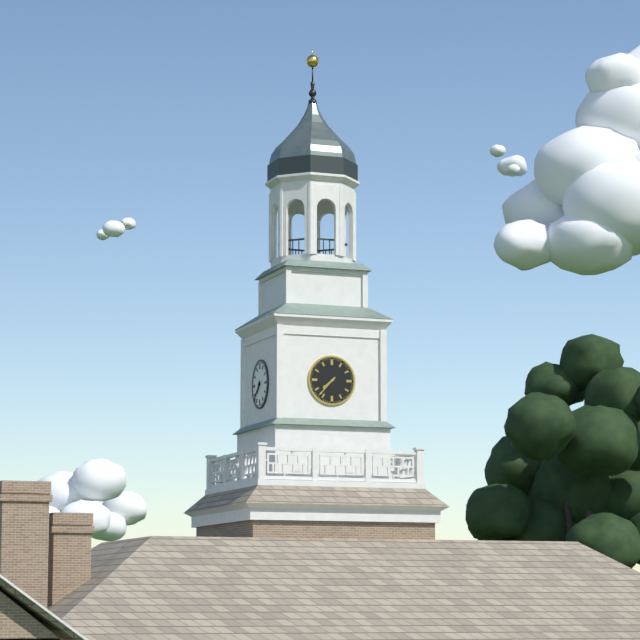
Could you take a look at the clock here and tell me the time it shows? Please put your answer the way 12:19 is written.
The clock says 7:37
